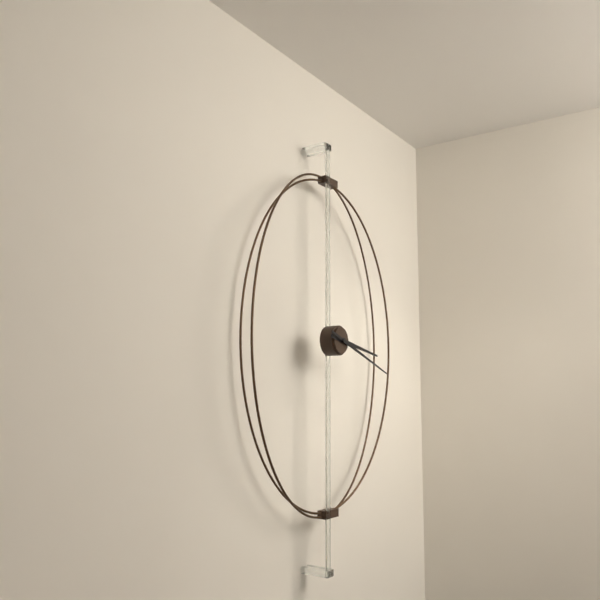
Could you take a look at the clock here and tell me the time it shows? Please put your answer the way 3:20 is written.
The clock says 3:18
